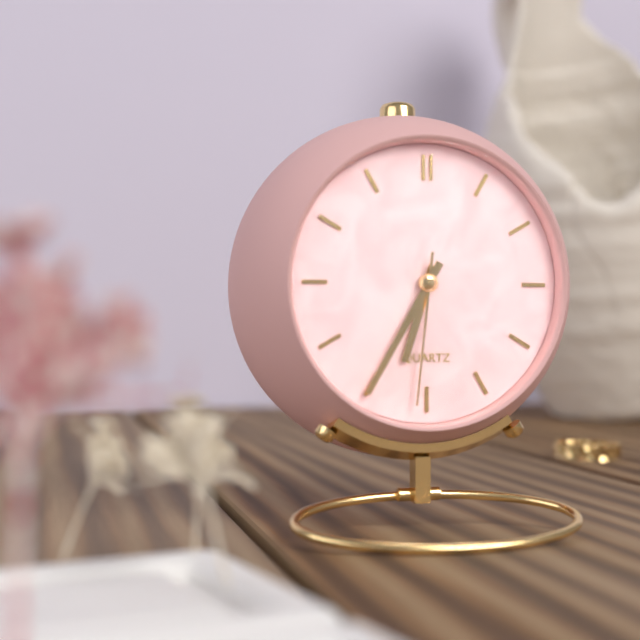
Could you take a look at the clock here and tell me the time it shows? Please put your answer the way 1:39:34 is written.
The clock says 6:35:31
